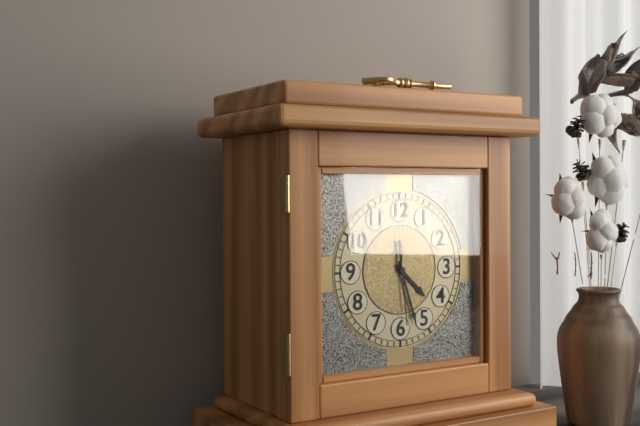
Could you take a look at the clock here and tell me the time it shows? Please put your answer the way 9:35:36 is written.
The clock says 4:27:29
